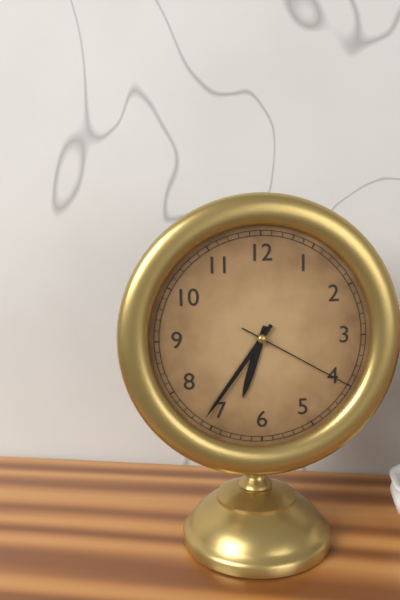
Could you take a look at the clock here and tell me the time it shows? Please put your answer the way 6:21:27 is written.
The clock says 6:36:20
